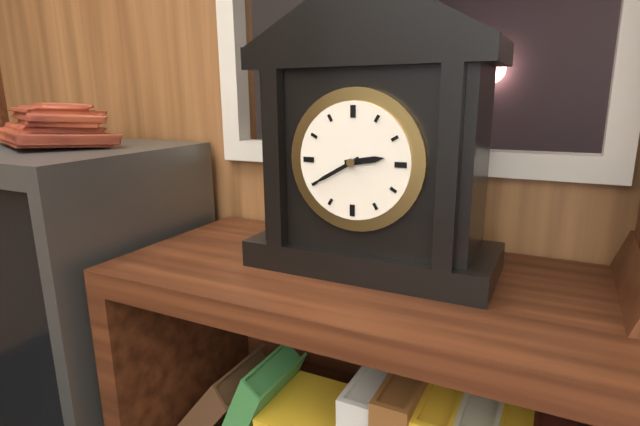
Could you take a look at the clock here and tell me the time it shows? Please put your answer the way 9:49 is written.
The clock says 2:40
